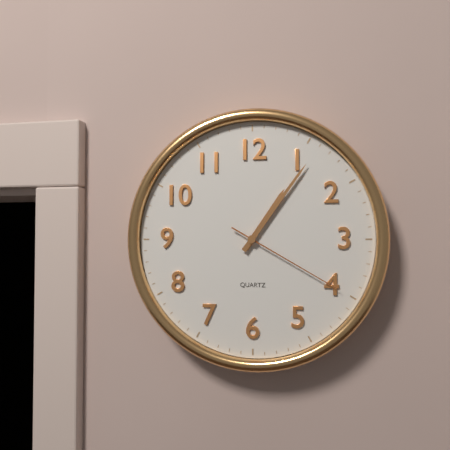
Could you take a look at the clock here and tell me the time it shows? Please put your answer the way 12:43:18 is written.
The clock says 1:06:20
